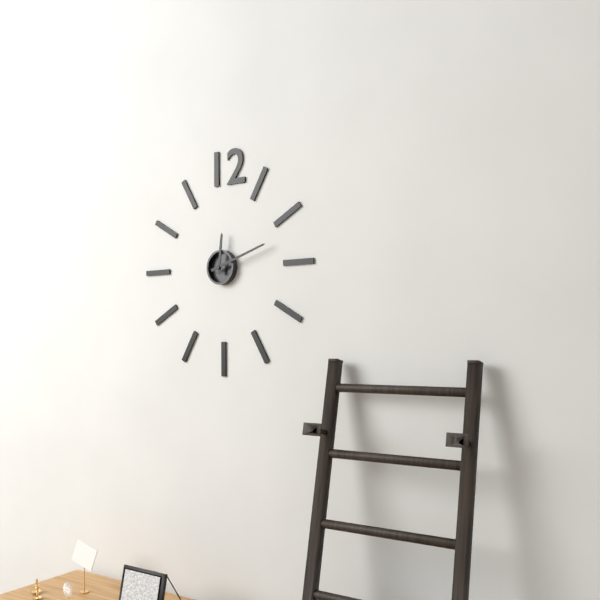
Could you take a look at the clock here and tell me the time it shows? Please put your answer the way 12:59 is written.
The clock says 12:12
